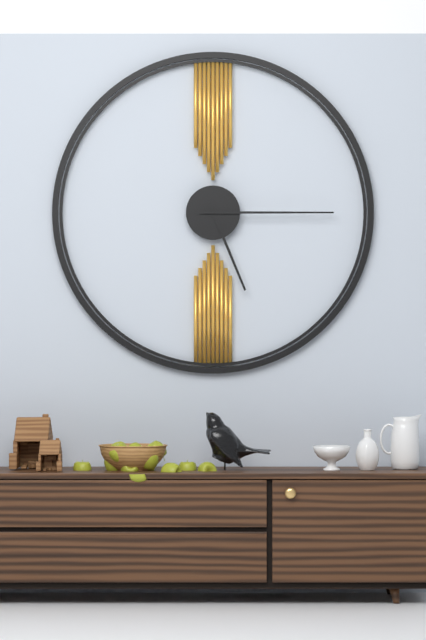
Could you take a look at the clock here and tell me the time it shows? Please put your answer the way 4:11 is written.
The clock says 5:15
